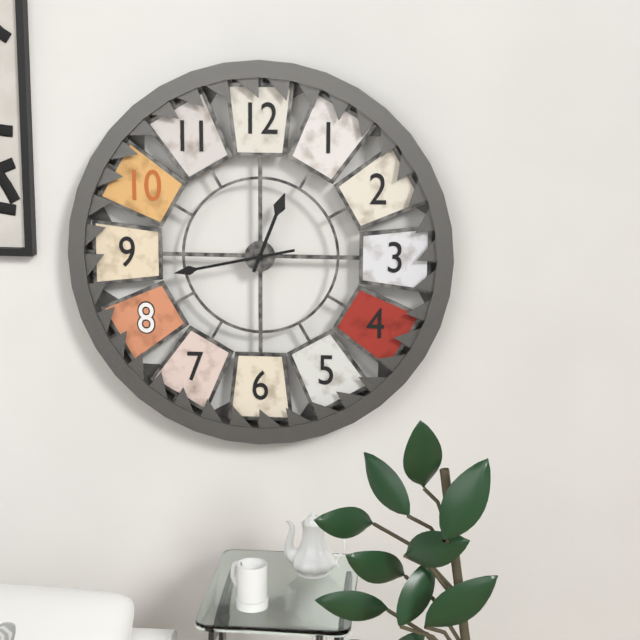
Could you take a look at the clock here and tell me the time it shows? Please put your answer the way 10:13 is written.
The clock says 12:43
